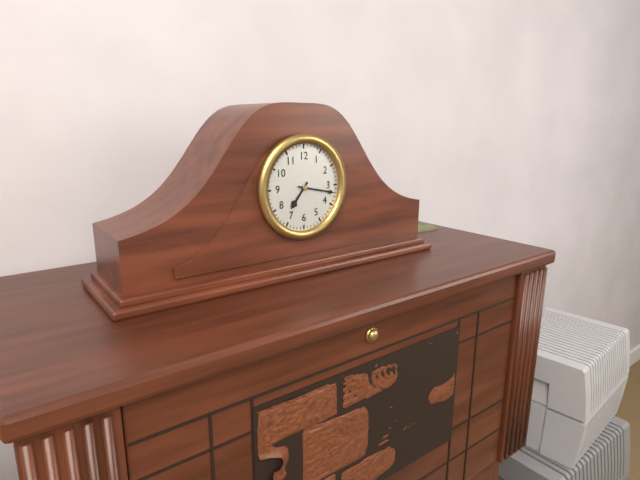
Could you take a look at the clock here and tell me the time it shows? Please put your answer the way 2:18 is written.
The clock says 7:17
